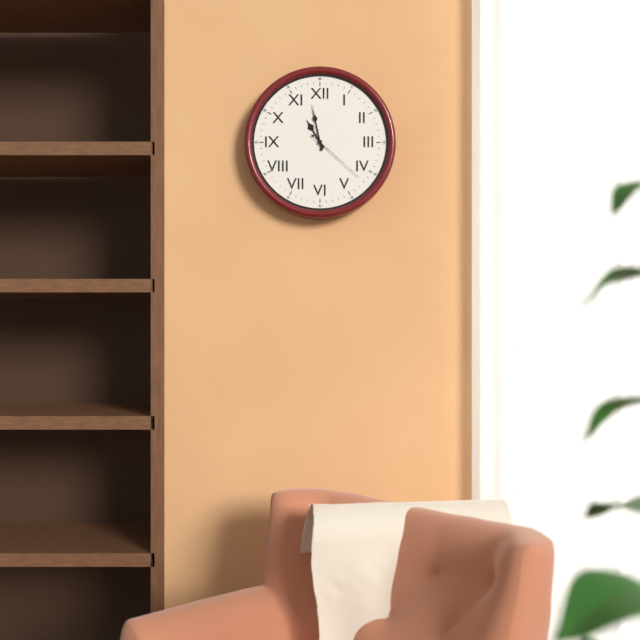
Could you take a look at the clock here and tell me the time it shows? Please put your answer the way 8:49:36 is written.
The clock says 10:58:22
